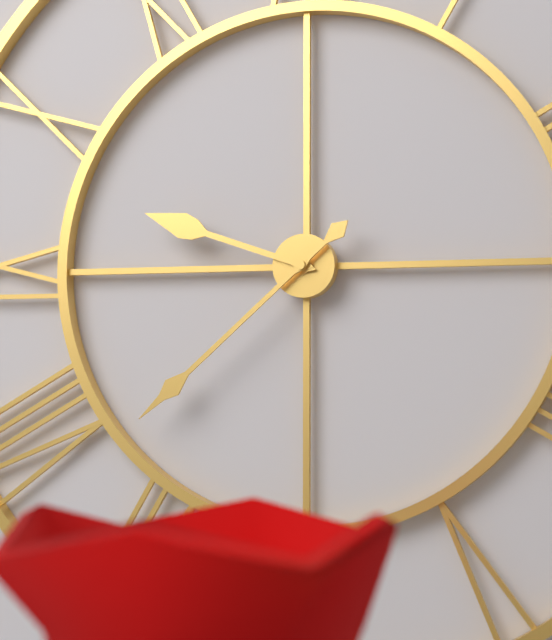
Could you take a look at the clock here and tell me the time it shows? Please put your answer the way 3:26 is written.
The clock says 9:38
